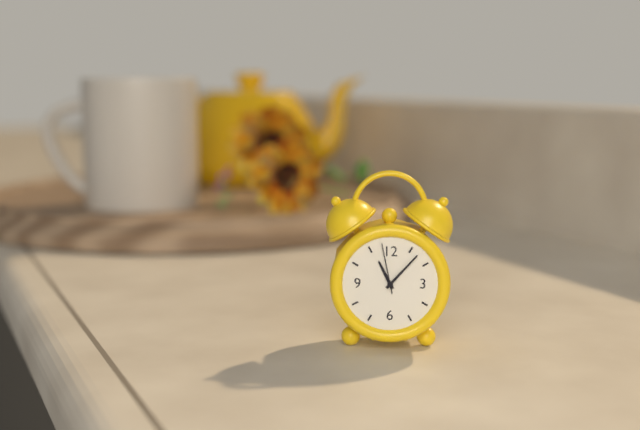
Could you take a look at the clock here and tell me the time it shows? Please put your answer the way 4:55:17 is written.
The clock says 11:07:58
